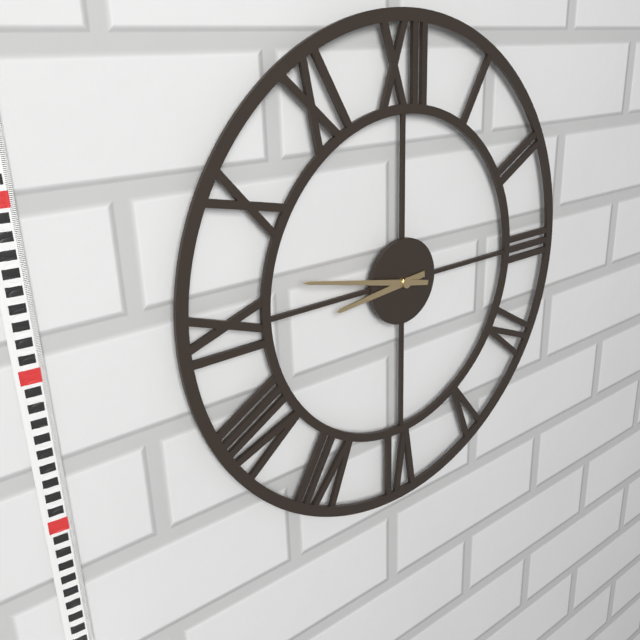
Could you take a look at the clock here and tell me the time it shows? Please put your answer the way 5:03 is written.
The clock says 8:47
